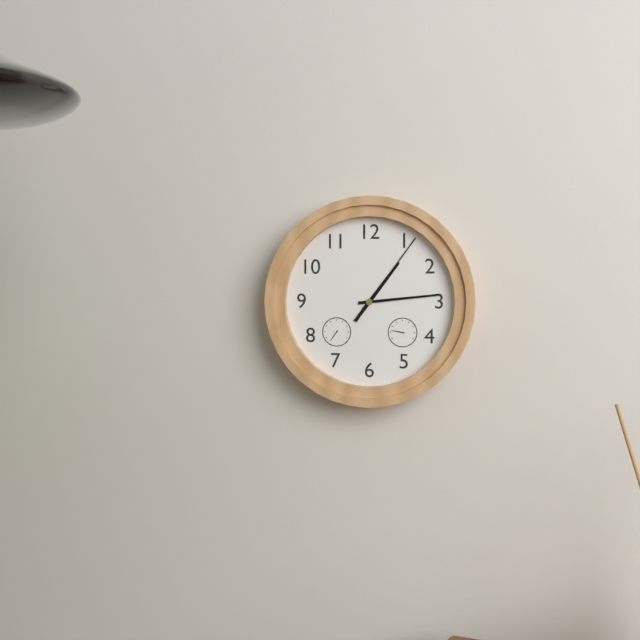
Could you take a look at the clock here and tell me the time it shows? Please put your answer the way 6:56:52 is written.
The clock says 1:14:06
